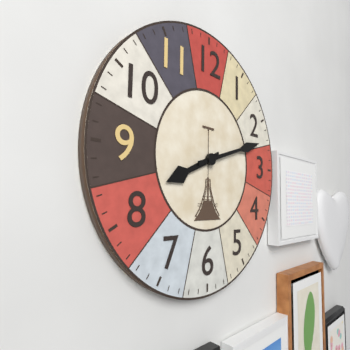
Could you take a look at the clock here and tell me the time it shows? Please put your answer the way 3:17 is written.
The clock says 8:12
